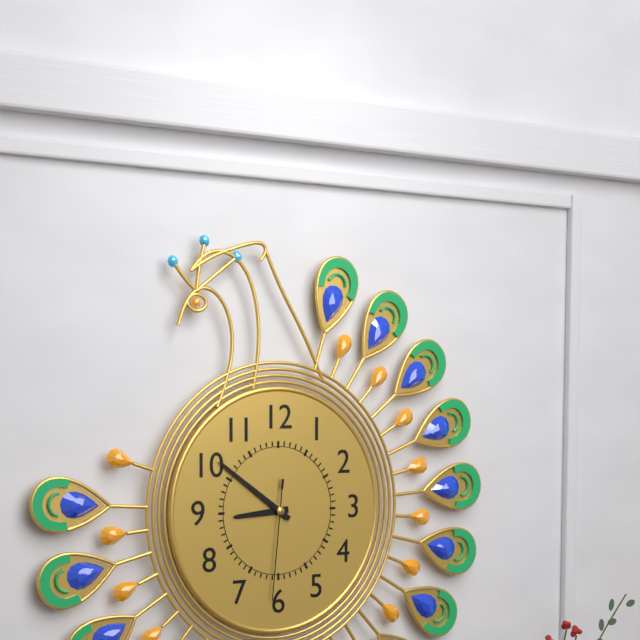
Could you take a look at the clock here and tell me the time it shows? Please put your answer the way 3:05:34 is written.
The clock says 8:51:31
